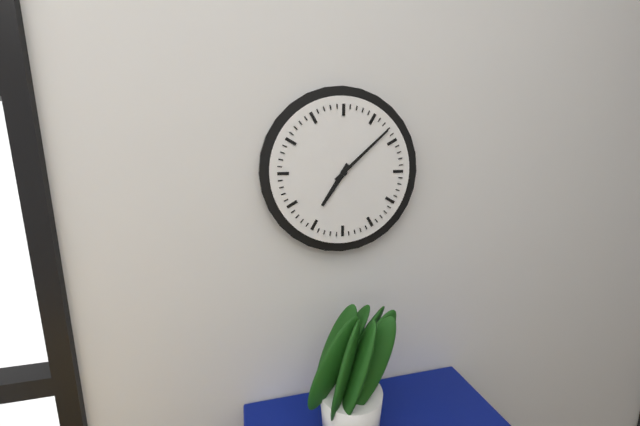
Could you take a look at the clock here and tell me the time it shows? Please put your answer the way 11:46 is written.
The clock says 7:08
